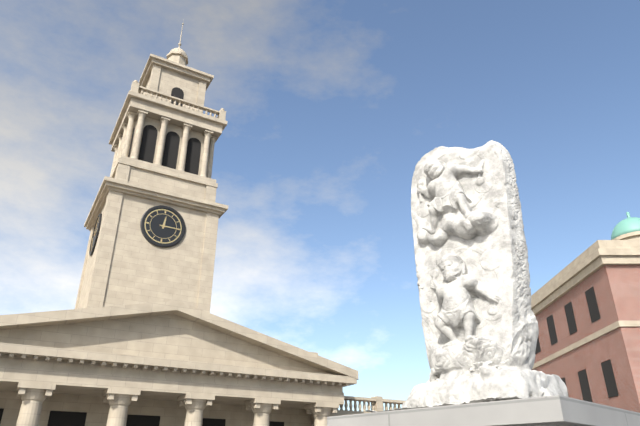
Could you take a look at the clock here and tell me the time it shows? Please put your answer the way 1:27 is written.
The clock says 12:15
